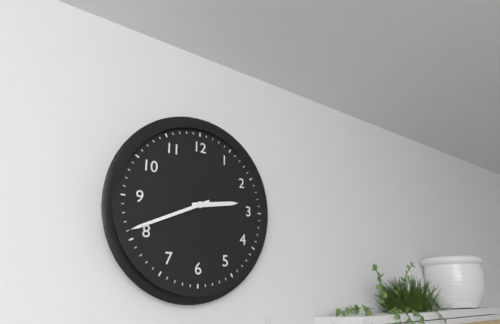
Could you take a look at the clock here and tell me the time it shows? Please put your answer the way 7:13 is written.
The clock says 2:41
